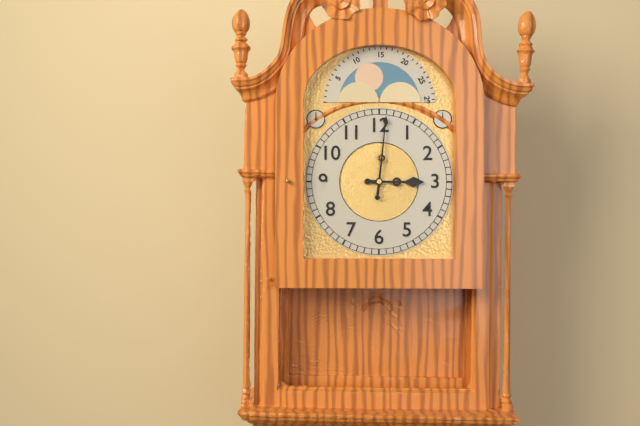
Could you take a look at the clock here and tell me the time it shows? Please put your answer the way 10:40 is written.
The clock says 3:01
